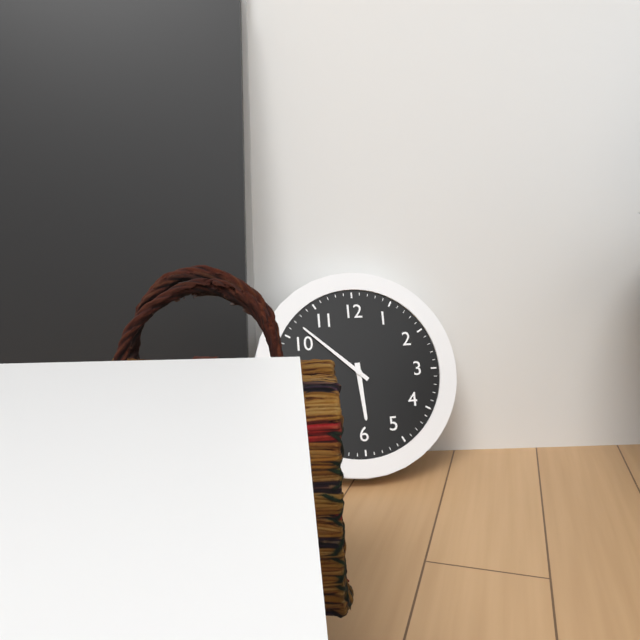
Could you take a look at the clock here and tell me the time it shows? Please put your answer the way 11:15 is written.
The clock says 5:52
